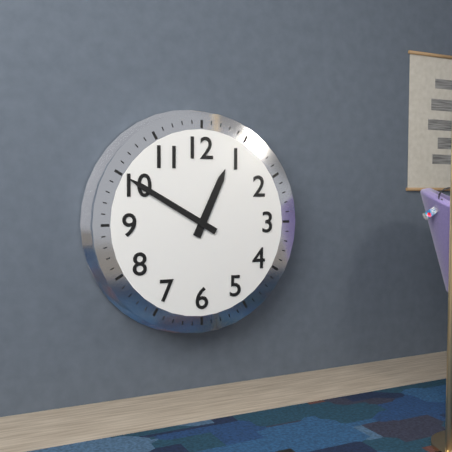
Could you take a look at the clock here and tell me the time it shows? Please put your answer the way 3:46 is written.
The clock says 12:50
